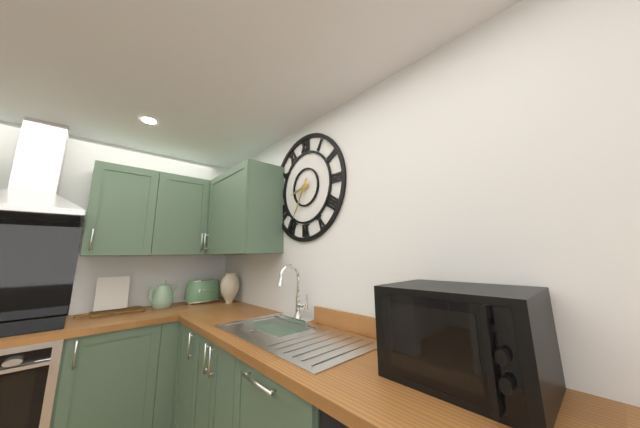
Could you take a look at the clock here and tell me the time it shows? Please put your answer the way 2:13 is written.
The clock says 8:35
